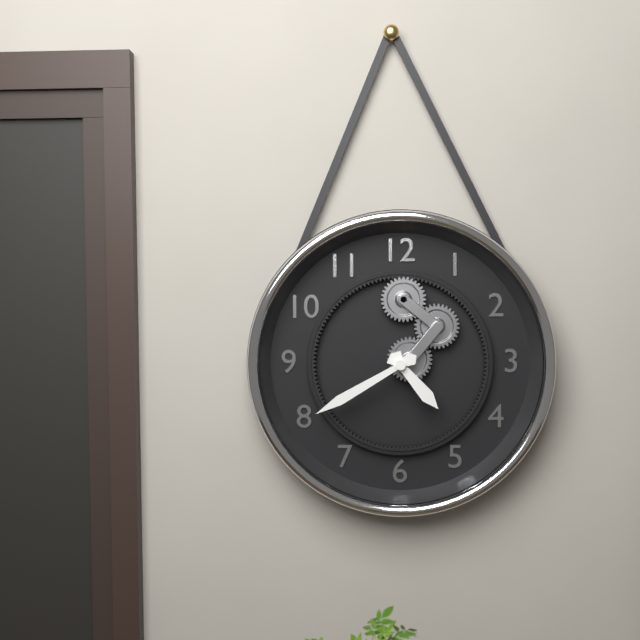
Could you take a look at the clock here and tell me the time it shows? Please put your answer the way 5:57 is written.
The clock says 4:40
